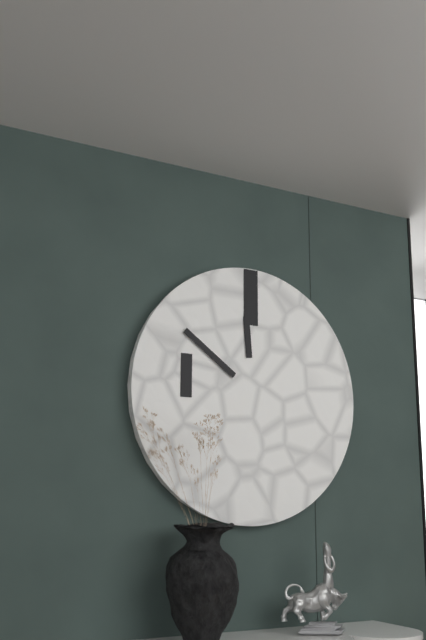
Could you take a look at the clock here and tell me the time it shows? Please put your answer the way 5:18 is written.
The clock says 11:51
